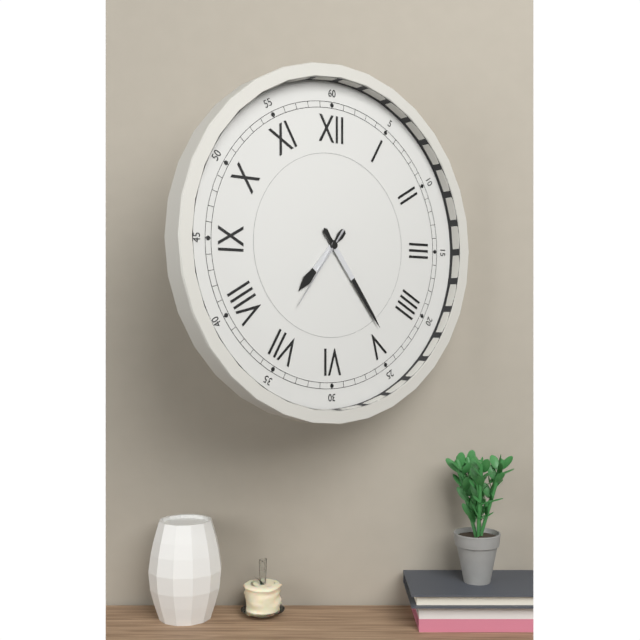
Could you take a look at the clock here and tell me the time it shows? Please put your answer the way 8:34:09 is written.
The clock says 7:24:36
